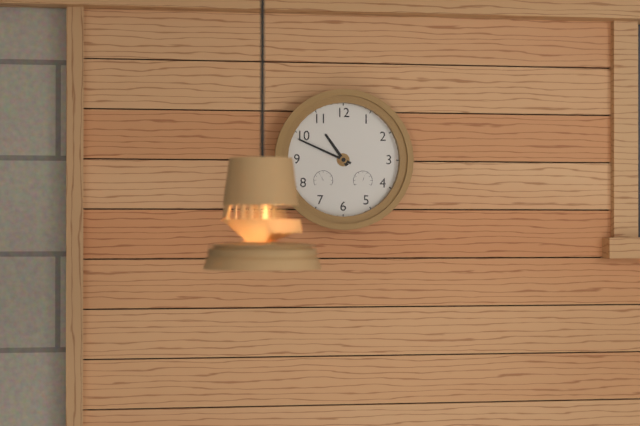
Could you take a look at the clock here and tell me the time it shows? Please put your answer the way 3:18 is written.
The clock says 10:49
